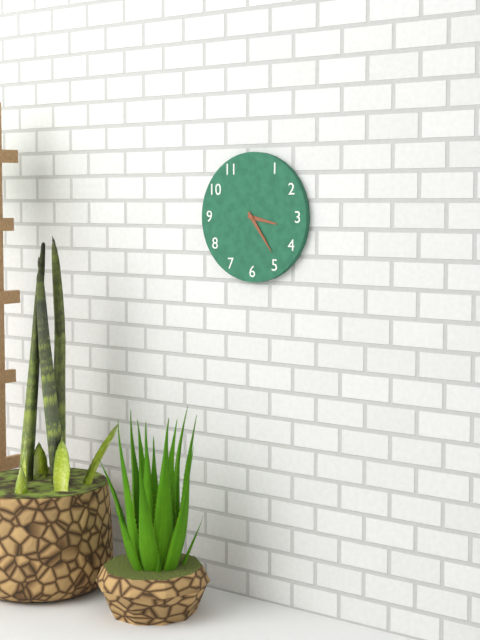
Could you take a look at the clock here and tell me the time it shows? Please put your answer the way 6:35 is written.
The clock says 3:24
